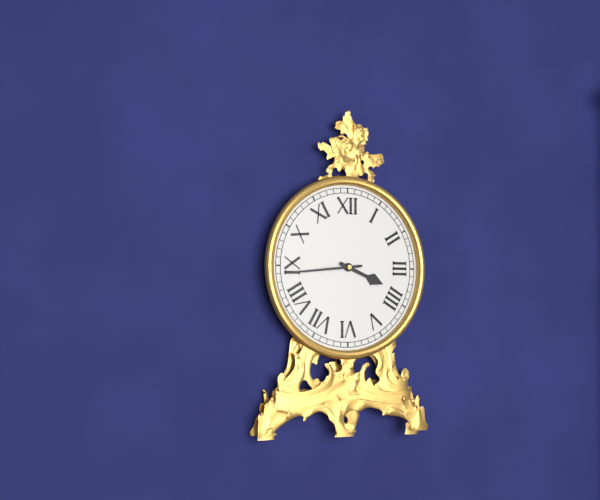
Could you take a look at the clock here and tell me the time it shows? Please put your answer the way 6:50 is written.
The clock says 3:44
